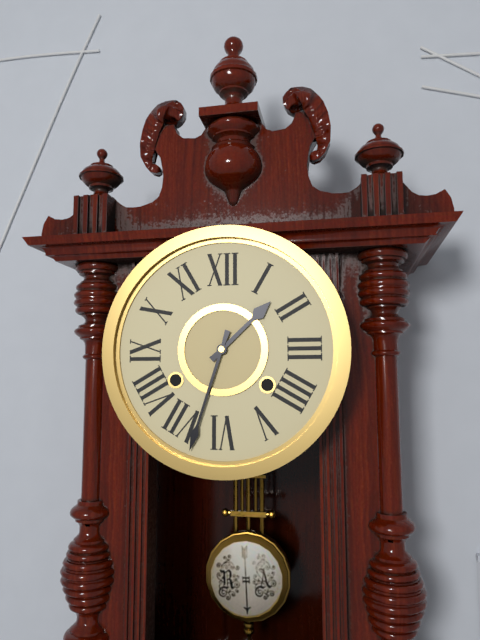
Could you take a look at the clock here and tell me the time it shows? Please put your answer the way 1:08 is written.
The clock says 1:33
